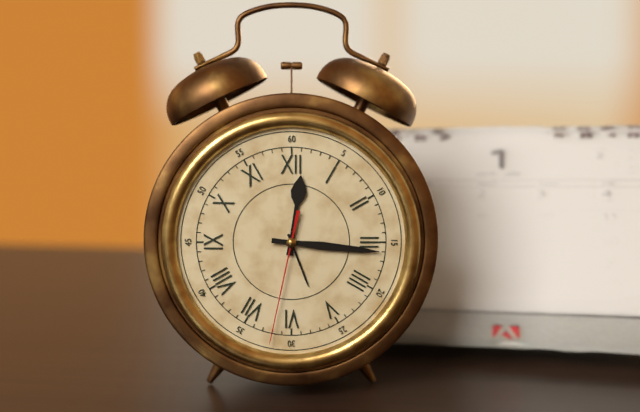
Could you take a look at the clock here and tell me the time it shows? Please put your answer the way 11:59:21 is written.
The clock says 12:16:32
